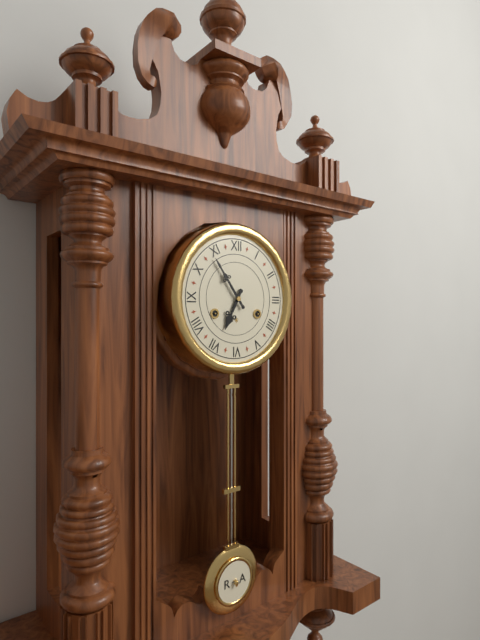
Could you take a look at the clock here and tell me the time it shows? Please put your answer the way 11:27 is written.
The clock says 6:54
